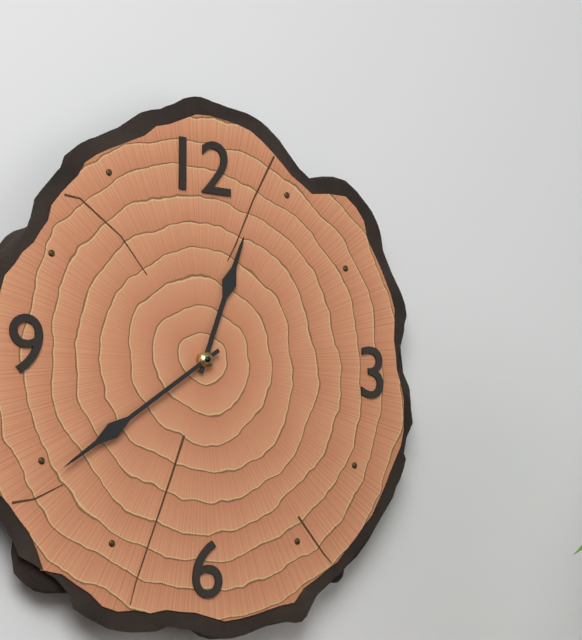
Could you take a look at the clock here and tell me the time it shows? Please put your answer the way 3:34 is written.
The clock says 12:39
